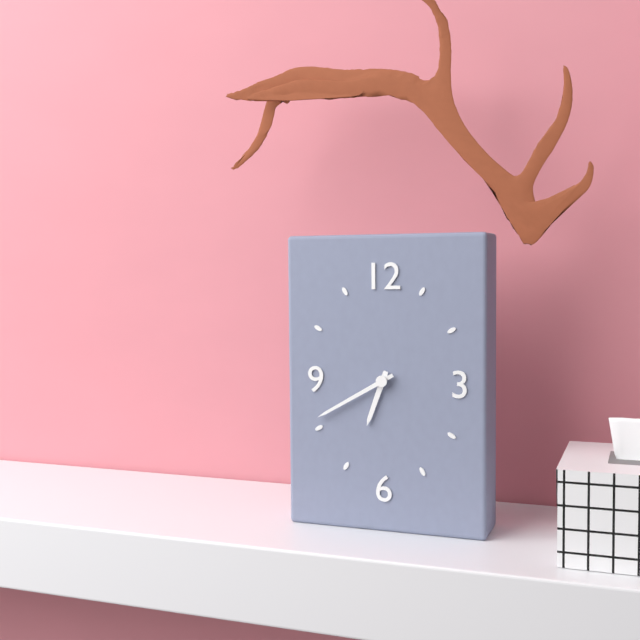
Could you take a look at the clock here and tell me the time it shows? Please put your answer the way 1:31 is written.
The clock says 6:40
